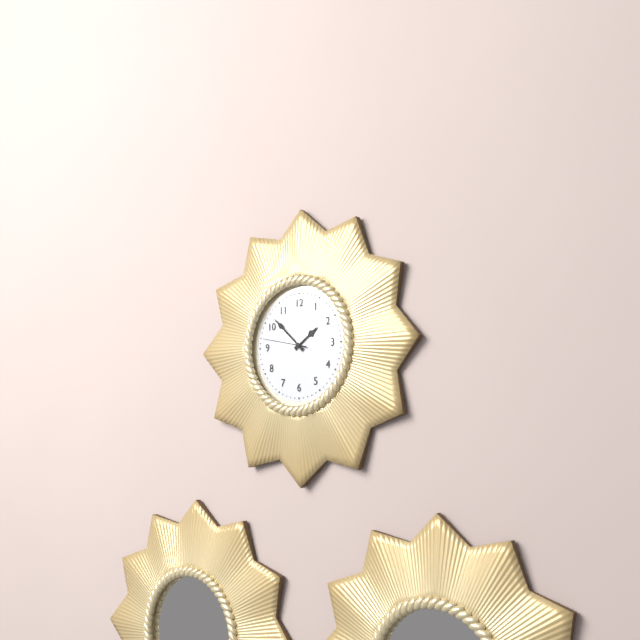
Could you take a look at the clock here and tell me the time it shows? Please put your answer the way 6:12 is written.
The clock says 1:52
